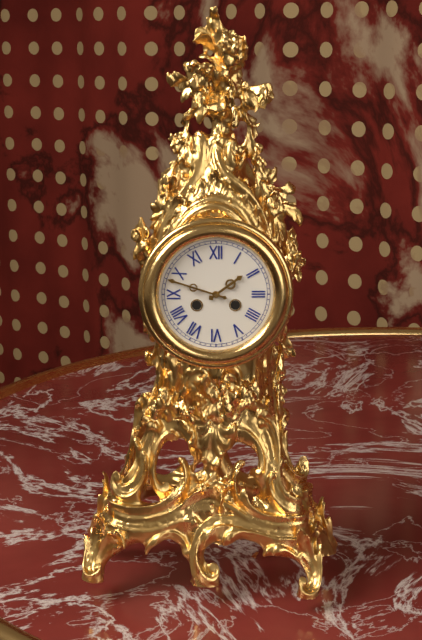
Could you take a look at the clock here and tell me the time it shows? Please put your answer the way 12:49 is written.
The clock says 1:48
